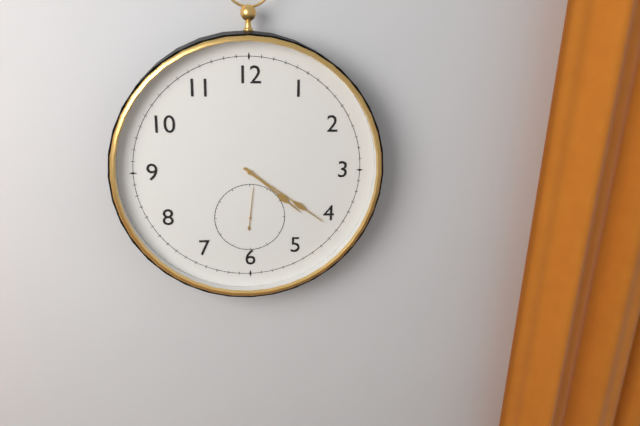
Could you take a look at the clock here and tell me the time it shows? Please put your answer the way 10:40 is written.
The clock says 4:21
